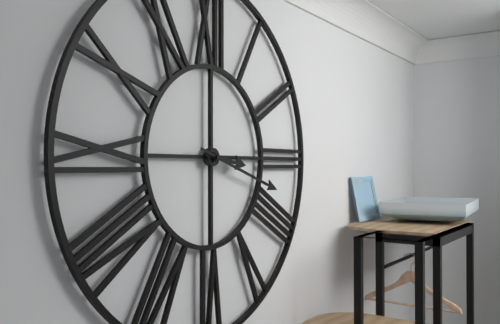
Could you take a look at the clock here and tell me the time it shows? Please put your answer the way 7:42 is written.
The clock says 3:18
